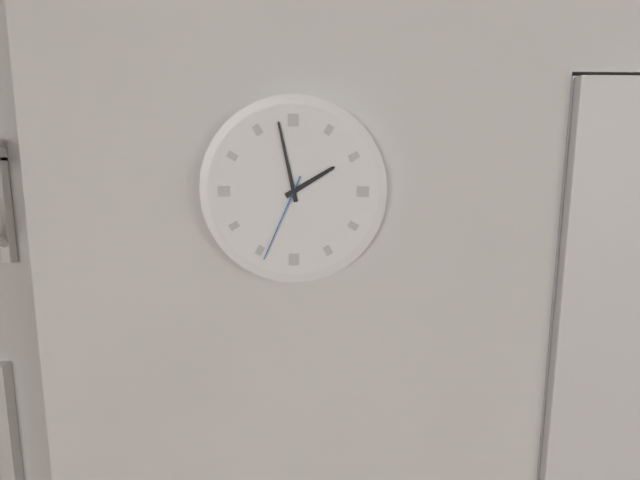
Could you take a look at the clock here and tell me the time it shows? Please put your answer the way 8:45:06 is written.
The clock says 1:58:34
